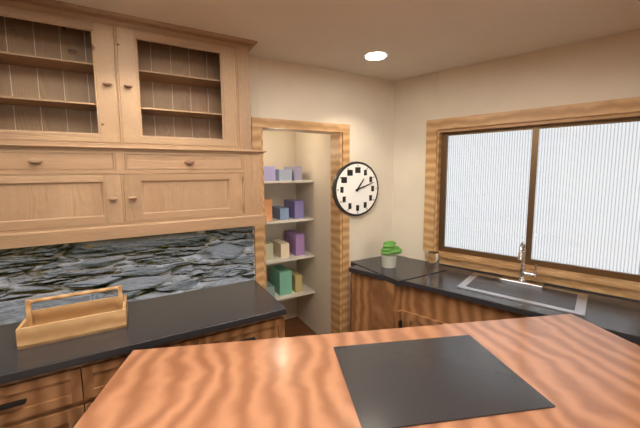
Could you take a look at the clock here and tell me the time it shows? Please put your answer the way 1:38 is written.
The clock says 1:12
